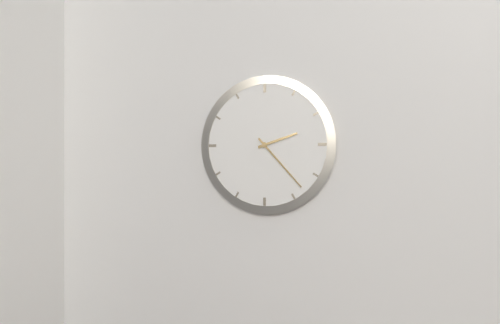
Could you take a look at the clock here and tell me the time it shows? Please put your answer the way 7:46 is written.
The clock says 2:23
